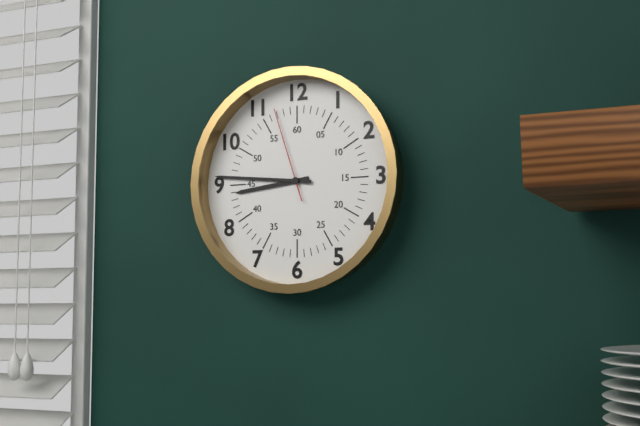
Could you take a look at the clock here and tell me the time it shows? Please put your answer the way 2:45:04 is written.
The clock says 8:46:57
